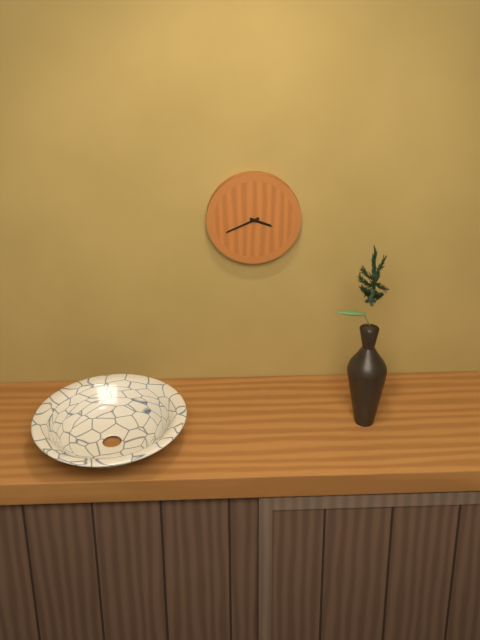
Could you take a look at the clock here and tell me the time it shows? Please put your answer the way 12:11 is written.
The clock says 3:41
